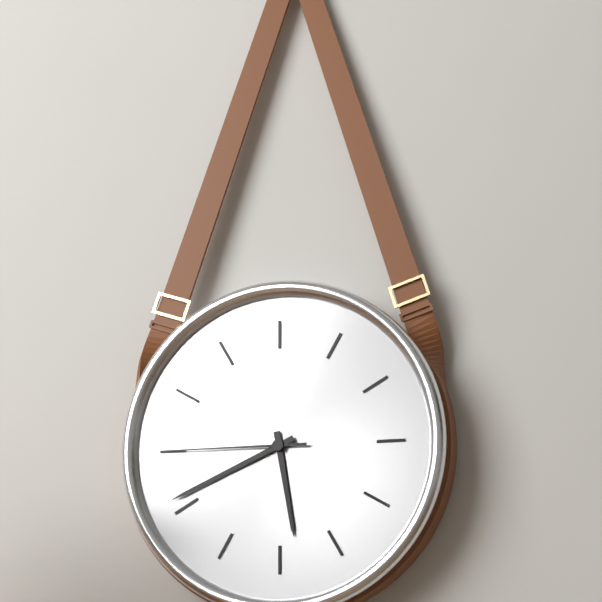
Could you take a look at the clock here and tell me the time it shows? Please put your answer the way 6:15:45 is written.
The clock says 5:41:45
